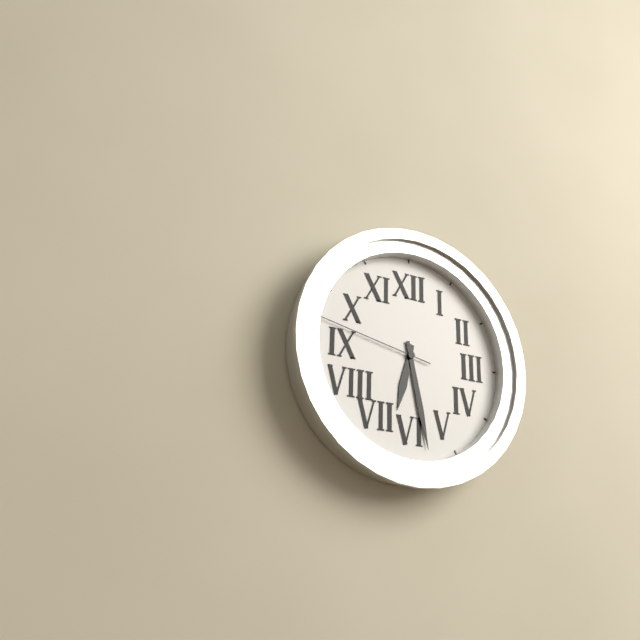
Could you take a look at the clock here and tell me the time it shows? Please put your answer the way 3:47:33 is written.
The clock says 6:28:47
